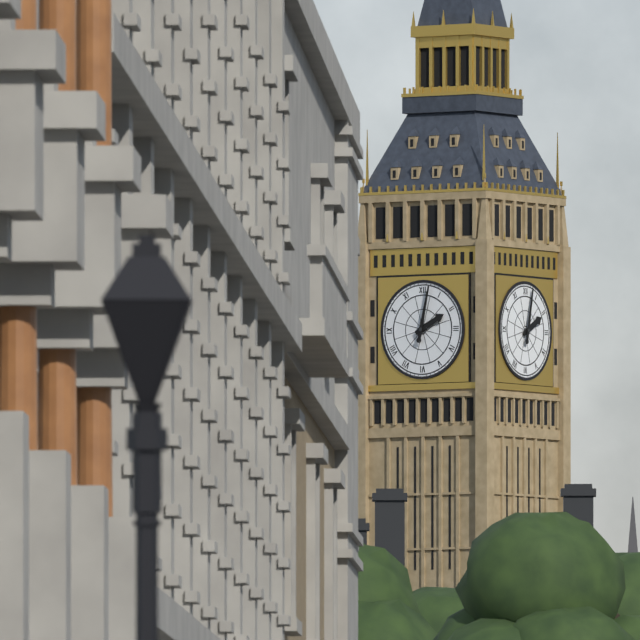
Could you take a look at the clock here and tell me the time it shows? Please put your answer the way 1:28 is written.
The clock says 2:02
